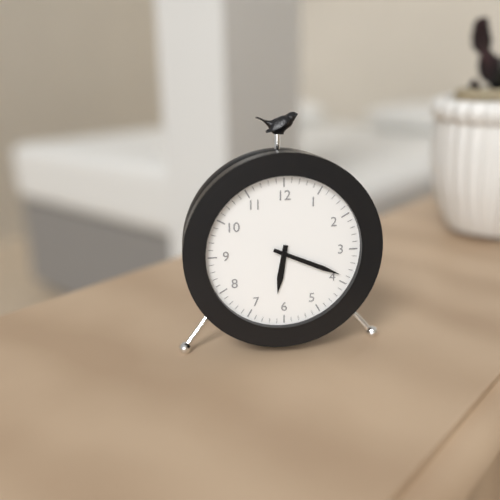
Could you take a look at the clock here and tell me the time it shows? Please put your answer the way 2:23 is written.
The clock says 6:19
